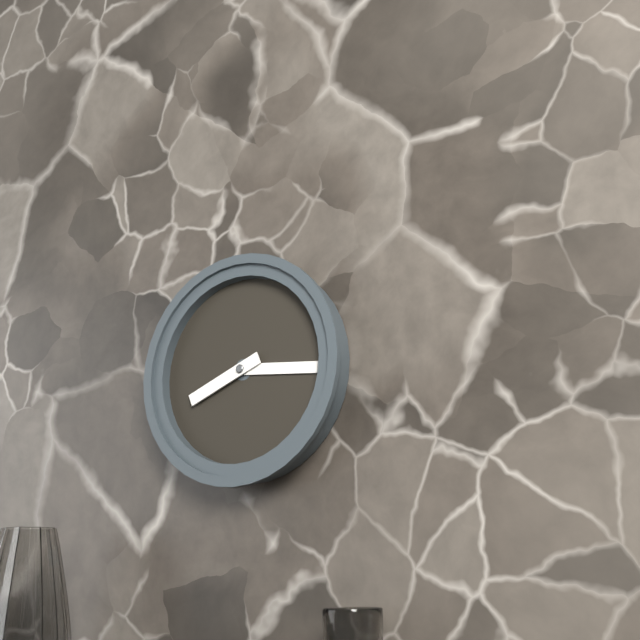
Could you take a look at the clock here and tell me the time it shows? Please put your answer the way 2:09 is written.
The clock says 8:16
